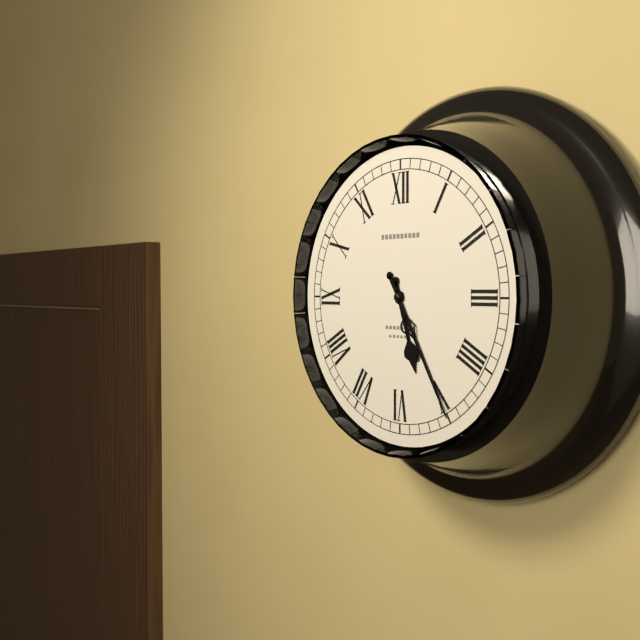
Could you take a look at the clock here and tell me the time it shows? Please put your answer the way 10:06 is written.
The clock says 5:25
